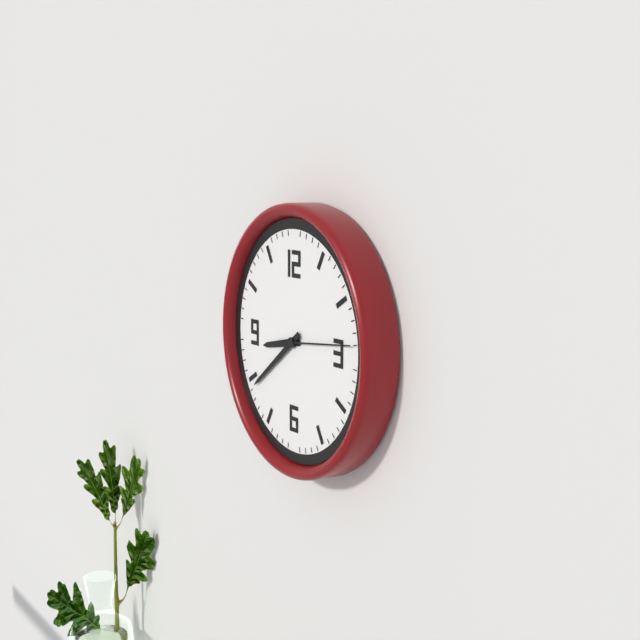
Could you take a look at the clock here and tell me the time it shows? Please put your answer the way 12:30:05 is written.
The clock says 8:39:14
